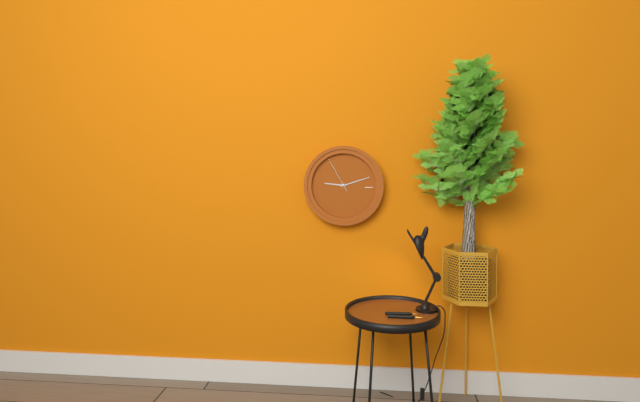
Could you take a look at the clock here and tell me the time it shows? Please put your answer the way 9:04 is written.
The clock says 9:12
